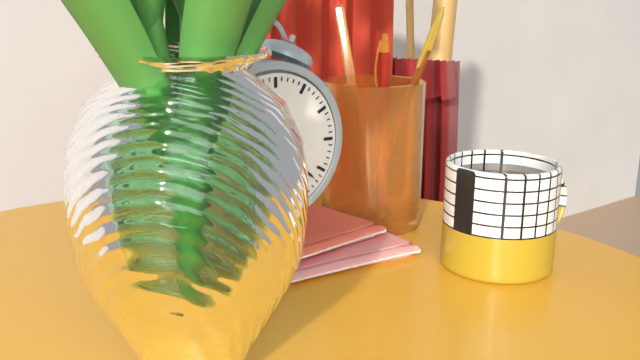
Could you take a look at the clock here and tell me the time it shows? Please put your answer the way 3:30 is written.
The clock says 7:22
